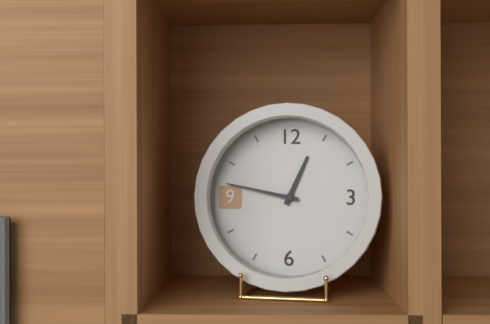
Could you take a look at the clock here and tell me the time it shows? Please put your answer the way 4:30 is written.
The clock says 12:47
